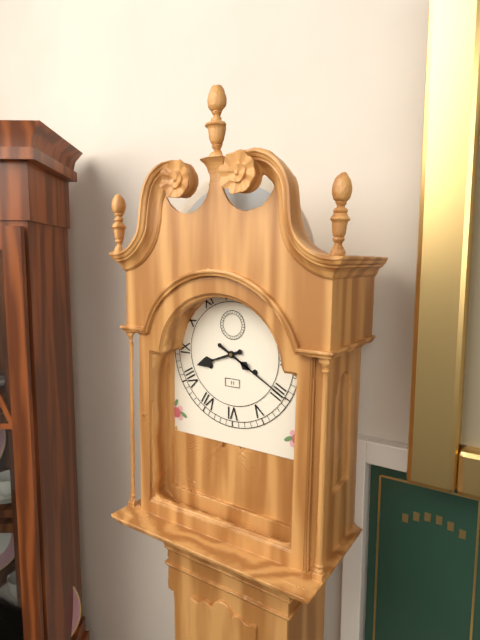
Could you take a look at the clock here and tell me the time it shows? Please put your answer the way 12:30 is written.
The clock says 8:20
